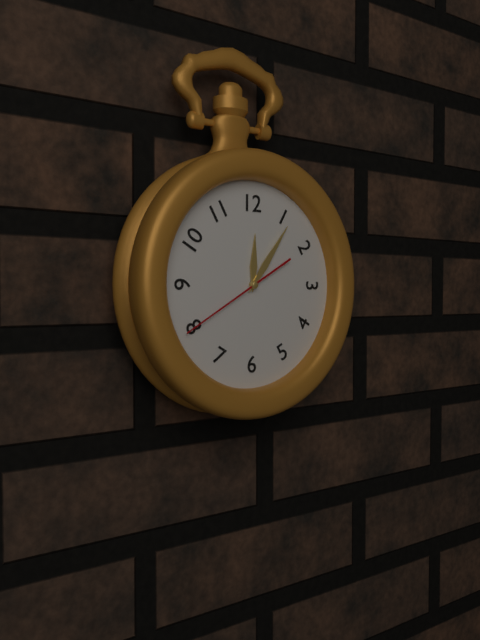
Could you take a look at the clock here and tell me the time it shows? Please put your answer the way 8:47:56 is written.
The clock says 12:06:40
